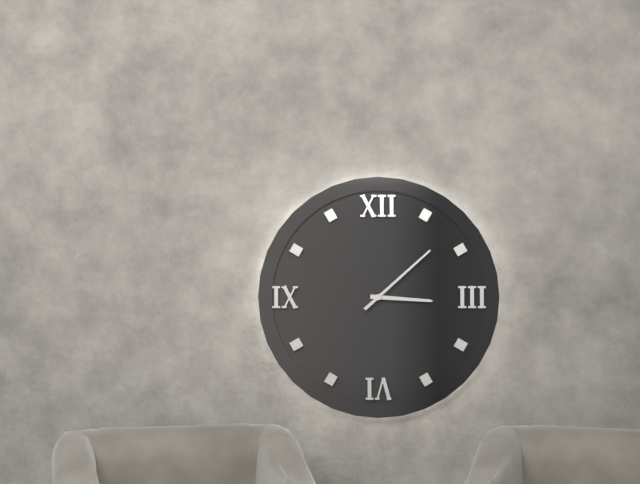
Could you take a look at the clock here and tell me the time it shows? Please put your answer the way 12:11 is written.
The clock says 3:08
